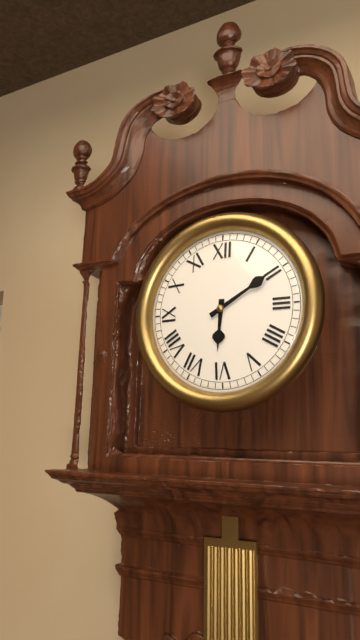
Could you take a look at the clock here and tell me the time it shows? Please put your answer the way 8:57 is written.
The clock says 6:10
